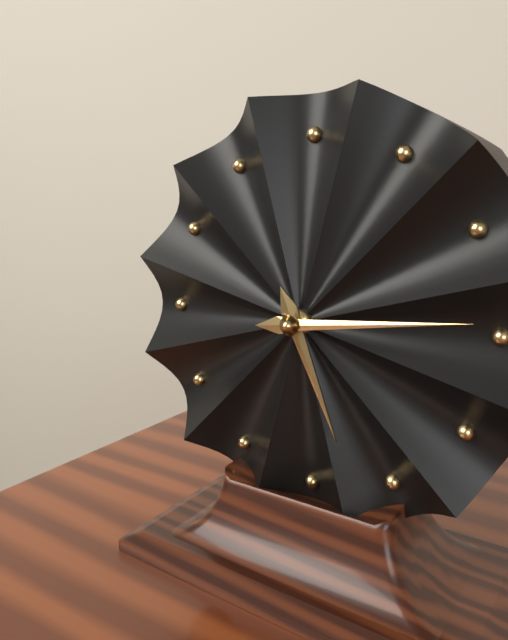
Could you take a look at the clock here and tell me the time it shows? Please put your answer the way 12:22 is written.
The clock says 5:14
